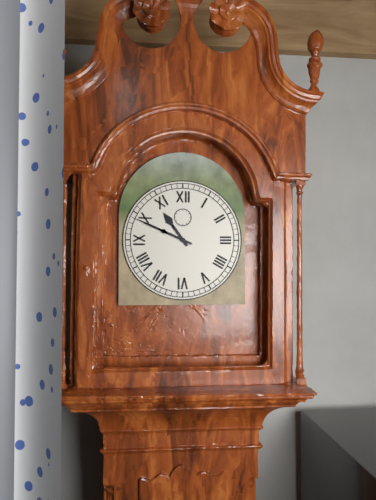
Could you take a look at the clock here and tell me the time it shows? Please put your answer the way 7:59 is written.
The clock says 10:49
